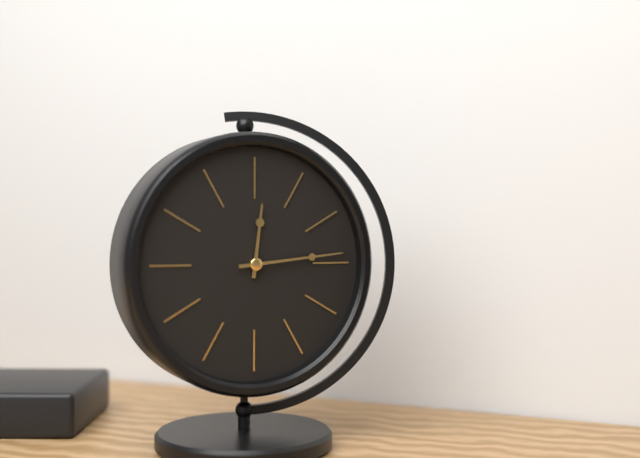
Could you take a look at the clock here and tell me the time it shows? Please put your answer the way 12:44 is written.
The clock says 12:14
